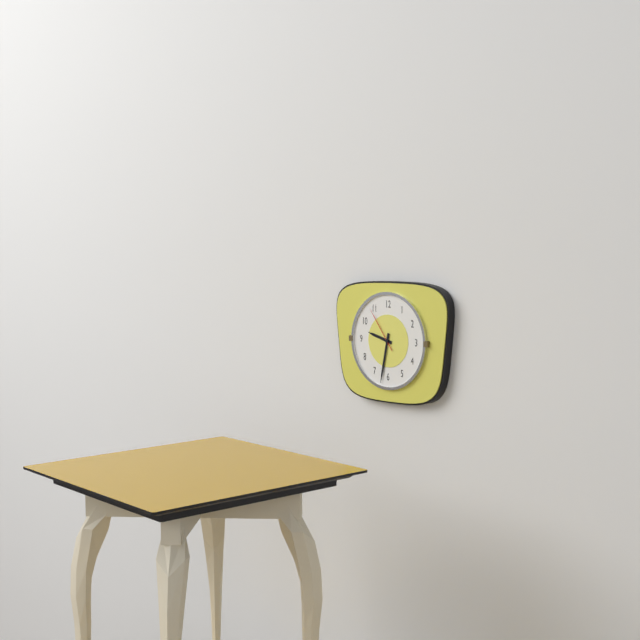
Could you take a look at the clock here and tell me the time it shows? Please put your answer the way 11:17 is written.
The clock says 9:32
